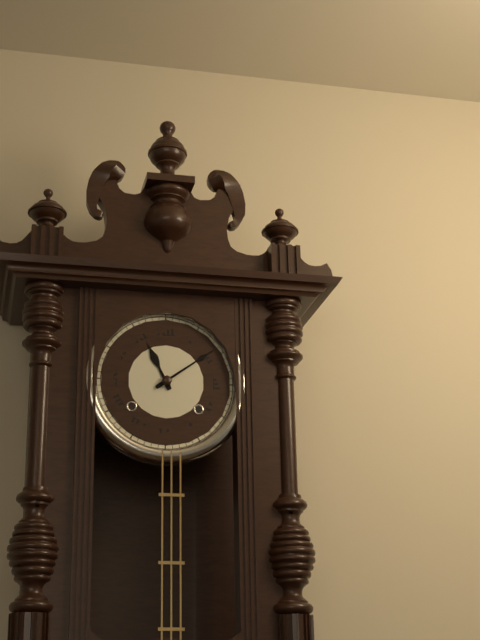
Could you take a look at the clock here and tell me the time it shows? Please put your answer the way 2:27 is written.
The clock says 11:09
